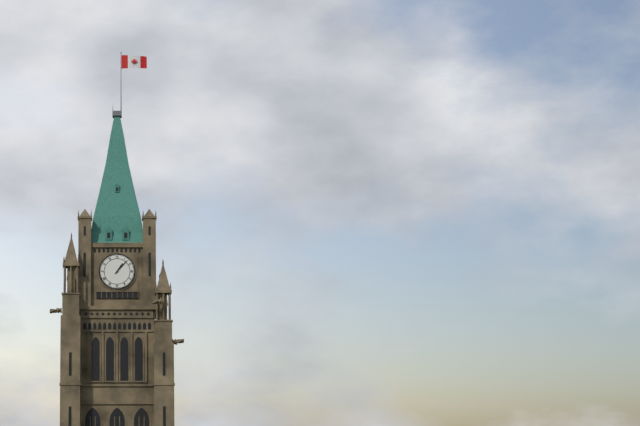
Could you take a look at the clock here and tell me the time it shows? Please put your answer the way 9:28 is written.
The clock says 1:07
